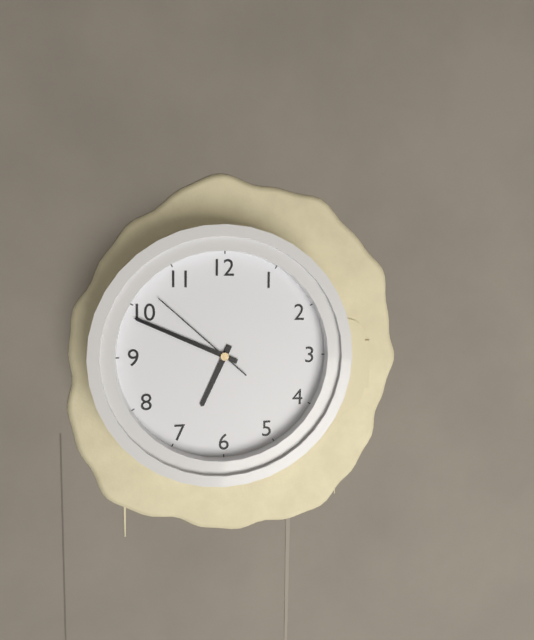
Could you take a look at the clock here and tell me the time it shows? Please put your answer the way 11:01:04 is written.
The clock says 6:49:52
